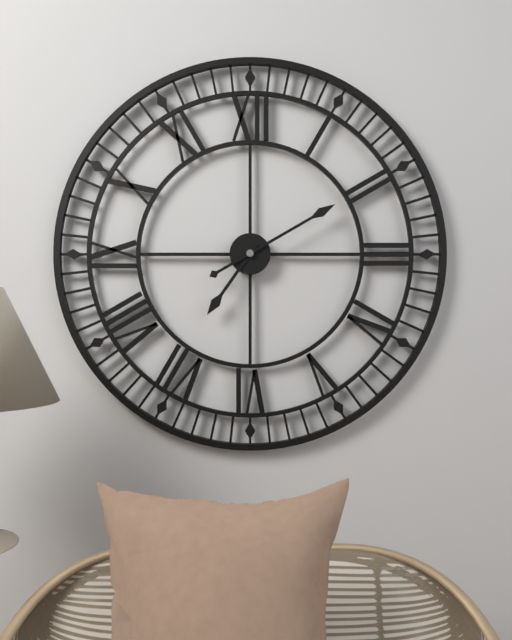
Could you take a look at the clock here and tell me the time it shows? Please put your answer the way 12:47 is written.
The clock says 7:10
